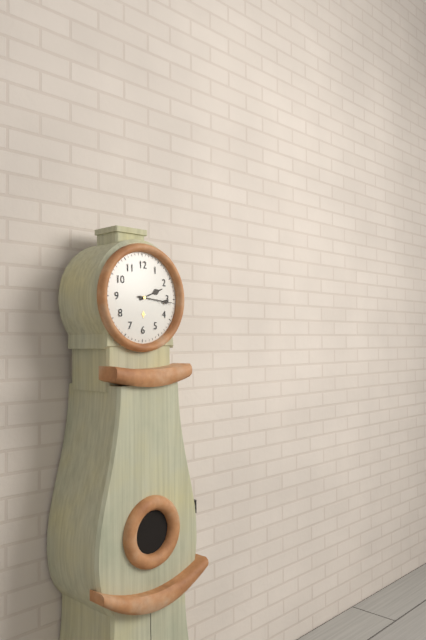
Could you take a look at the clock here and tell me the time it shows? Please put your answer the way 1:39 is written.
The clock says 2:16
